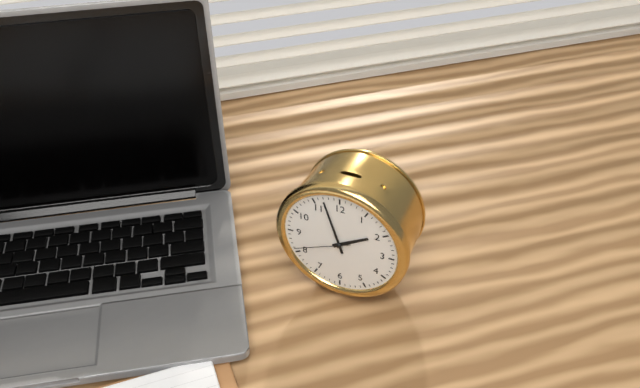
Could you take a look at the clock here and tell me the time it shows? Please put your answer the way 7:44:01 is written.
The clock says 1:57:41
